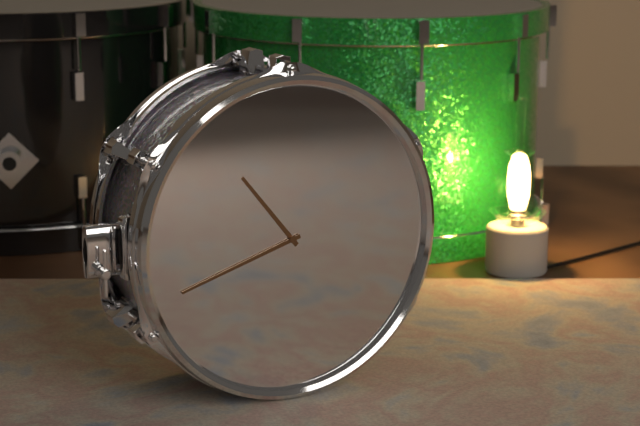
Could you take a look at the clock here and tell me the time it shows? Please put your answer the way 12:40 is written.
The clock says 10:42
